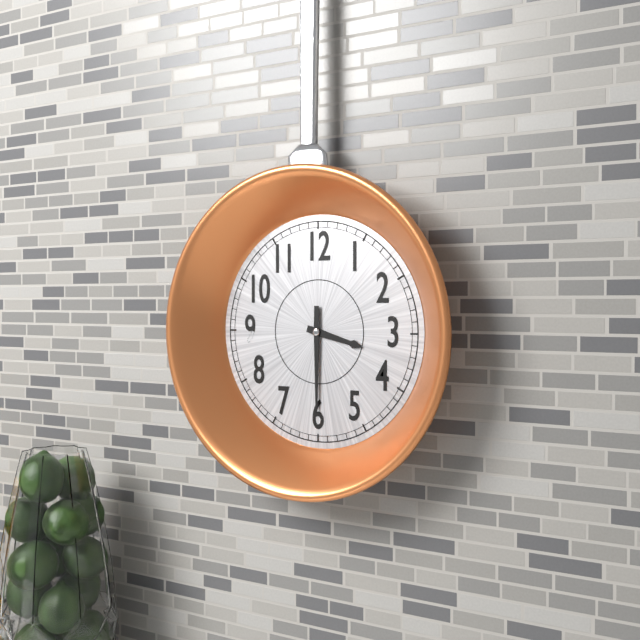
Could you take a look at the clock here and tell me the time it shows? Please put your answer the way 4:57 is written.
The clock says 3:30
